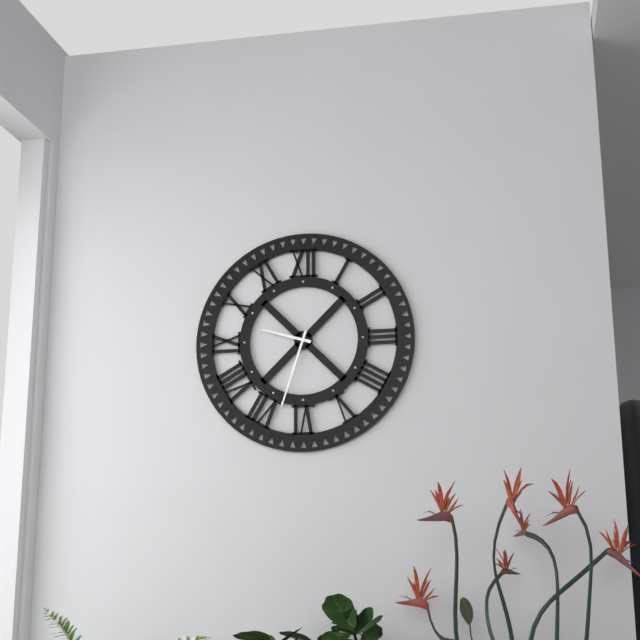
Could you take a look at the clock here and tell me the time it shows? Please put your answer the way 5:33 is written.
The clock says 9:33
